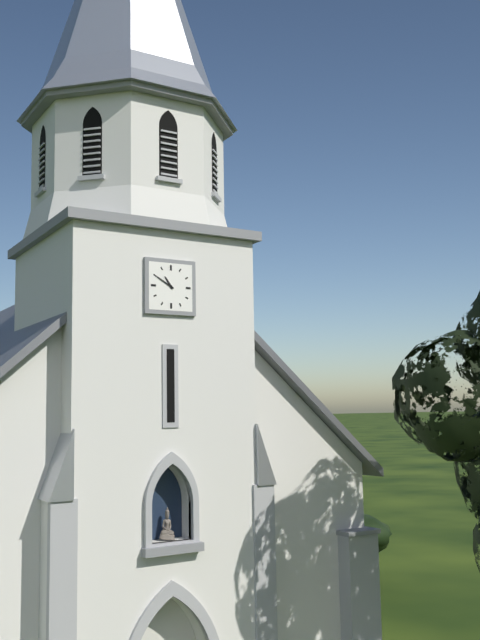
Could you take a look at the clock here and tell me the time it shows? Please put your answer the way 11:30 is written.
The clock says 10:50
